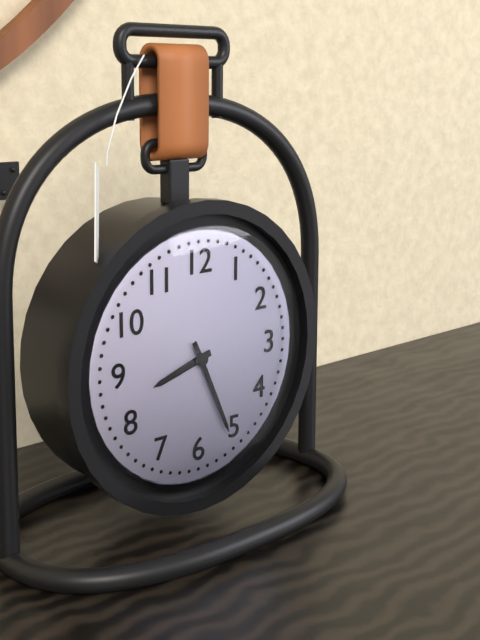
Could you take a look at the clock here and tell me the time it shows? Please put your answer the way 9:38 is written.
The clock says 8:26
